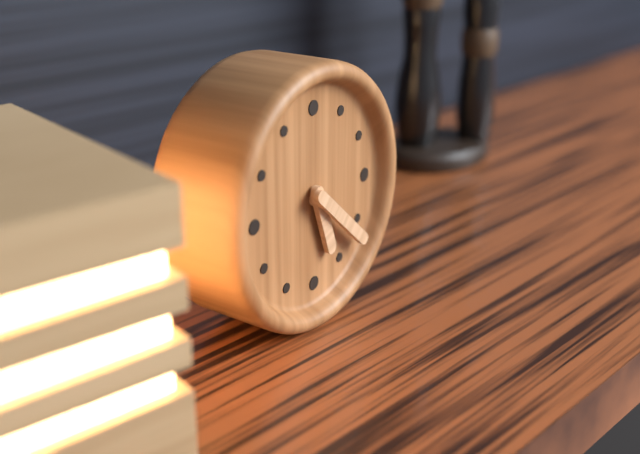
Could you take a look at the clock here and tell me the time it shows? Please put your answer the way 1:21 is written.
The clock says 5:22
